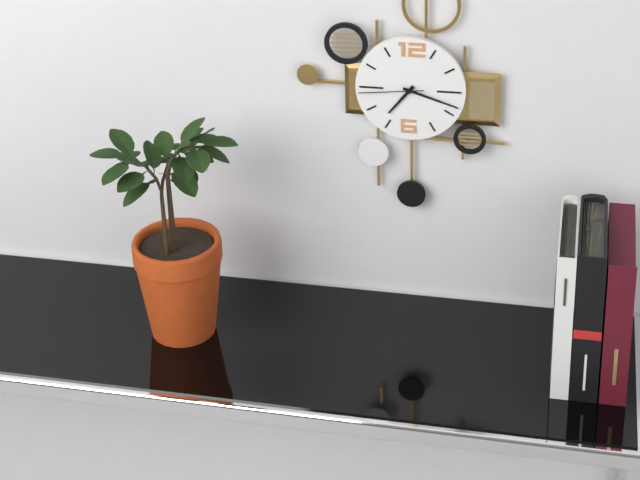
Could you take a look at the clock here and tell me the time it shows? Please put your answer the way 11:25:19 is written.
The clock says 7:18:44
